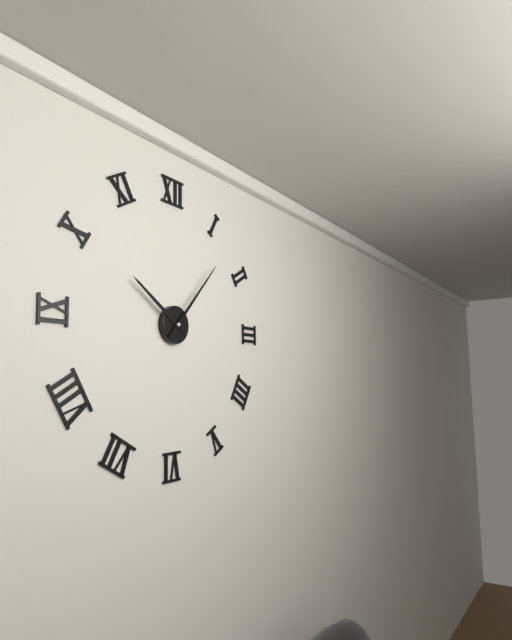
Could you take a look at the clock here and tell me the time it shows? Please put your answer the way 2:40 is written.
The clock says 10:07
